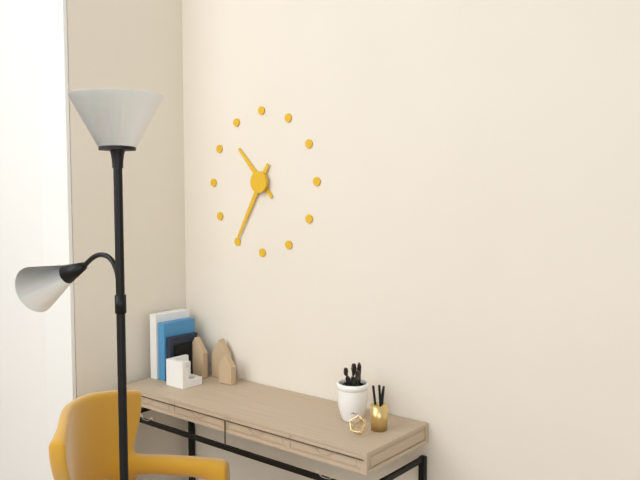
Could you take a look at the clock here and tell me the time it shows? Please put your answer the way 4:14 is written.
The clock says 10:35
